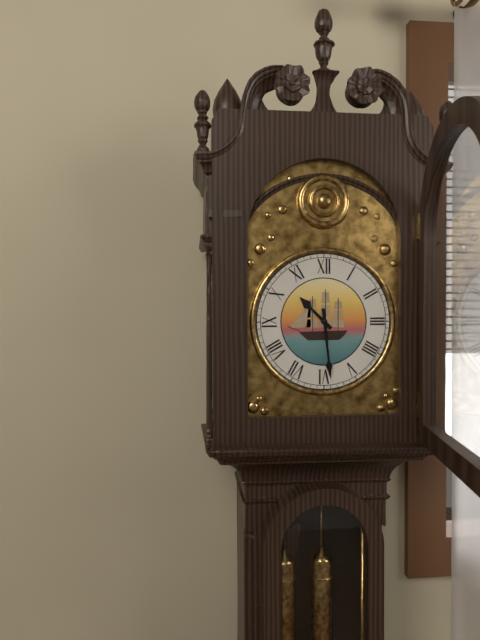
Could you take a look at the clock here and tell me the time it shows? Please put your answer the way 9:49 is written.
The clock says 10:29
